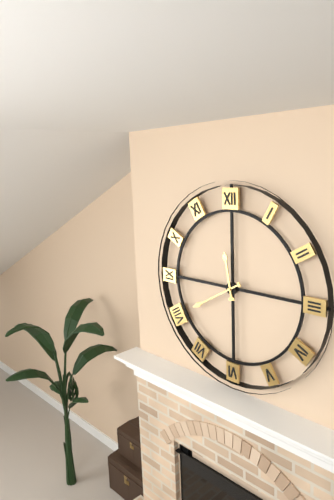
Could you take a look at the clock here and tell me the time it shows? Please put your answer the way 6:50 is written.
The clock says 11:40
